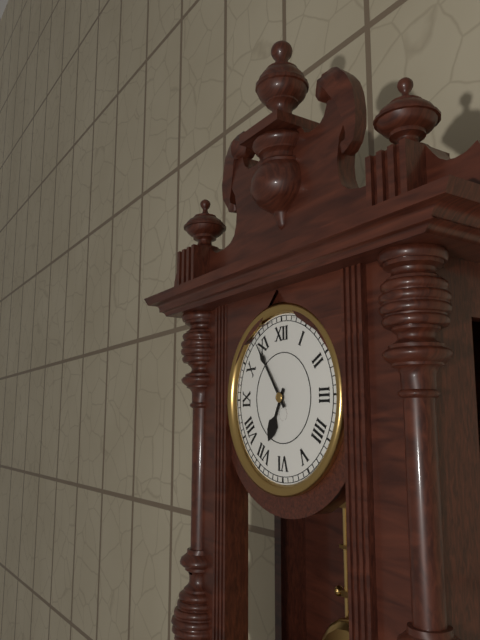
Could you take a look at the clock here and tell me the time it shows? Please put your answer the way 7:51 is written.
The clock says 6:54
